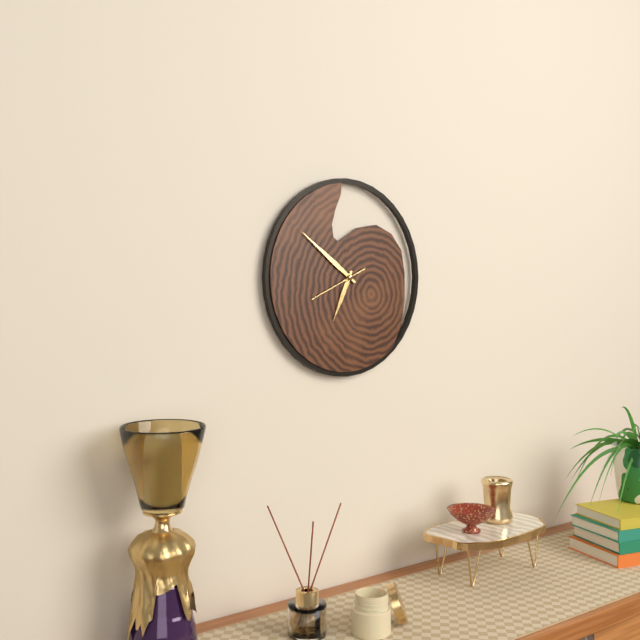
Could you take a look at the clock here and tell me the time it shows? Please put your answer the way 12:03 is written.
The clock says 6:51
